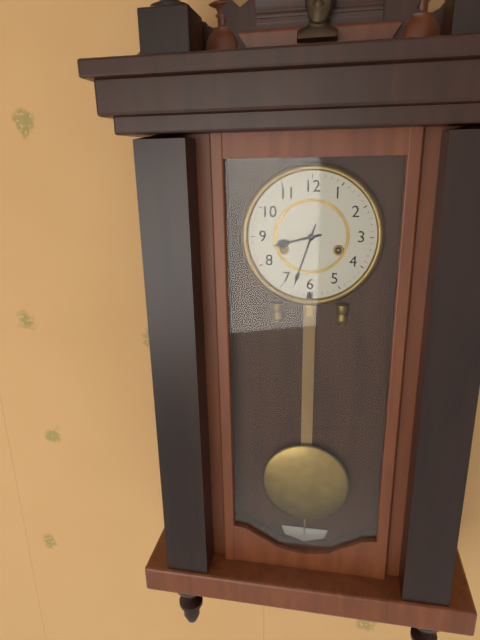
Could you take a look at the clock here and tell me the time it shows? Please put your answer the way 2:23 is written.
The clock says 8:33
